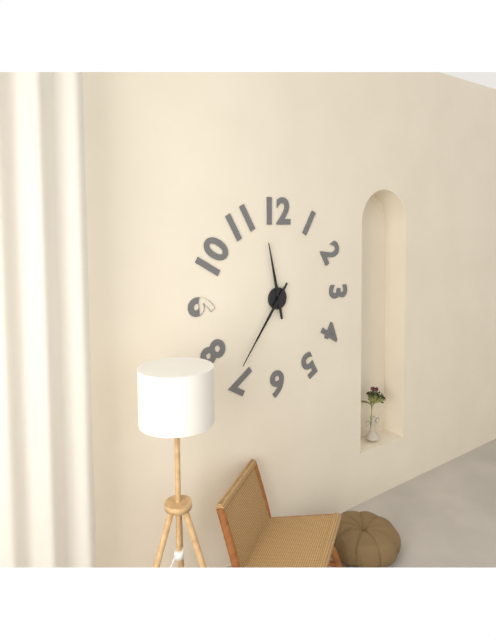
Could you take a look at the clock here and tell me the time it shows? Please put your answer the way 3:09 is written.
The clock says 11:36
